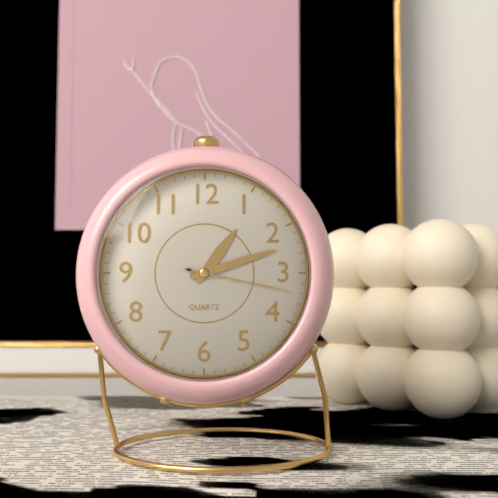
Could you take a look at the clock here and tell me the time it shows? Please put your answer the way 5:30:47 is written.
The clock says 1:12:17
